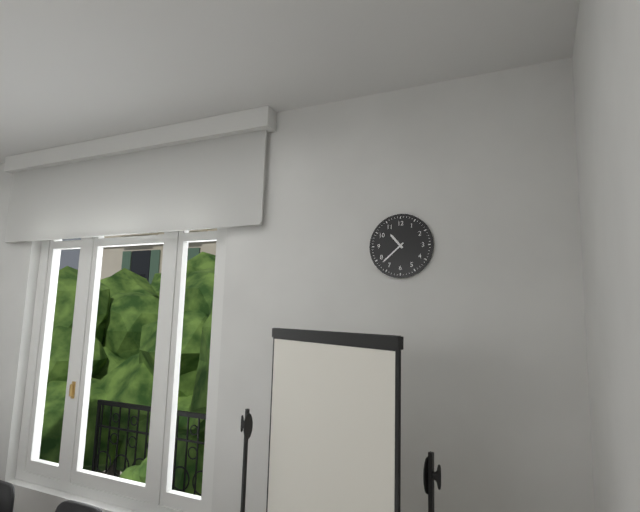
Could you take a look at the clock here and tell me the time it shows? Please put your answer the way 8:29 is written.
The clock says 10:38
